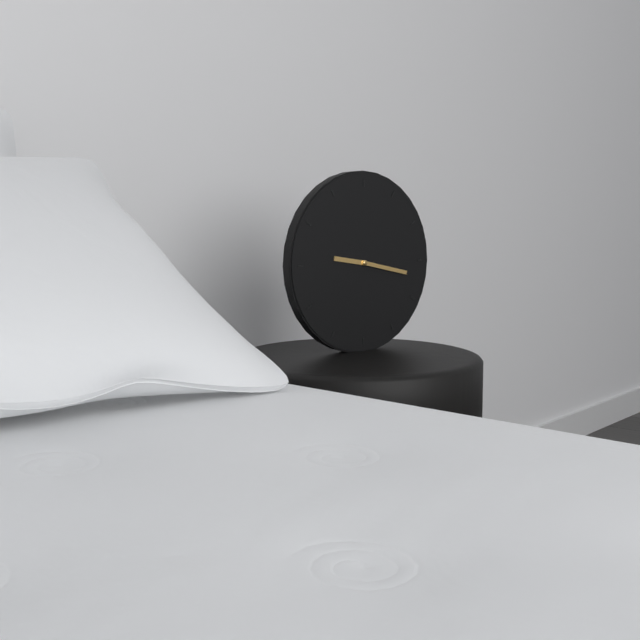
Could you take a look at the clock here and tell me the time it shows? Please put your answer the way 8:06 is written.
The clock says 9:17
